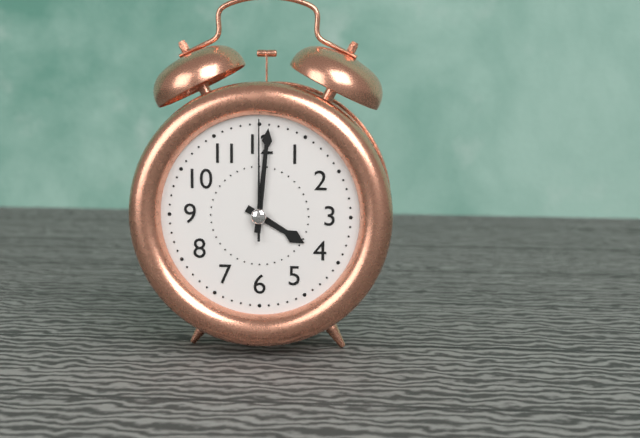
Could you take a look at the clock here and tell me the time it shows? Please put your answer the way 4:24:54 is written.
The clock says 4:01:00
